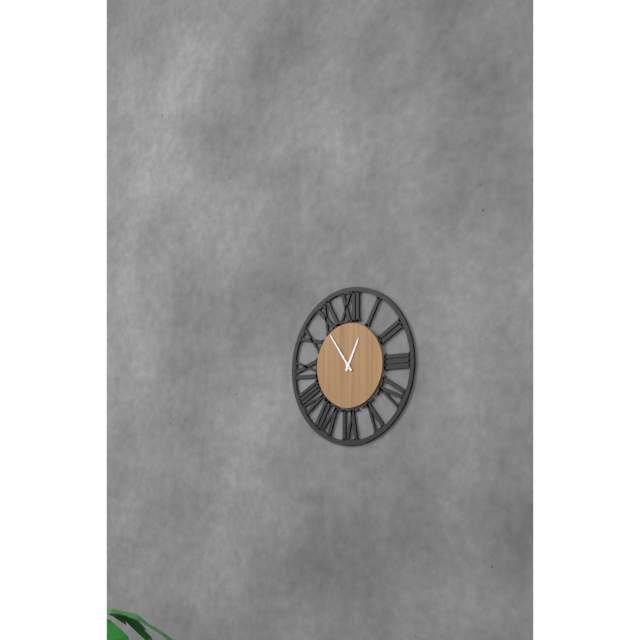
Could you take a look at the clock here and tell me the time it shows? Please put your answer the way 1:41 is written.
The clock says 12:54
